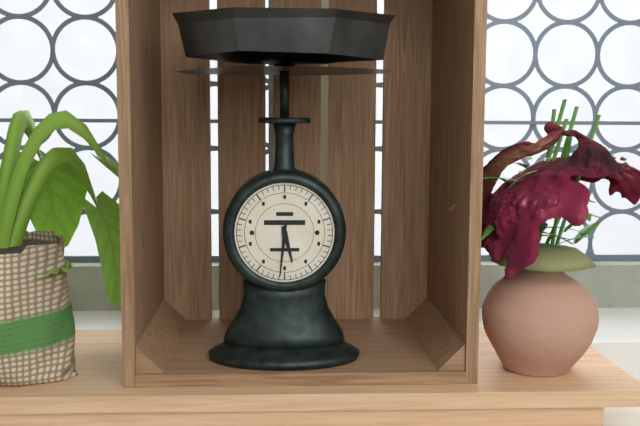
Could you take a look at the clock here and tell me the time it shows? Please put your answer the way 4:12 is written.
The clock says 5:31
